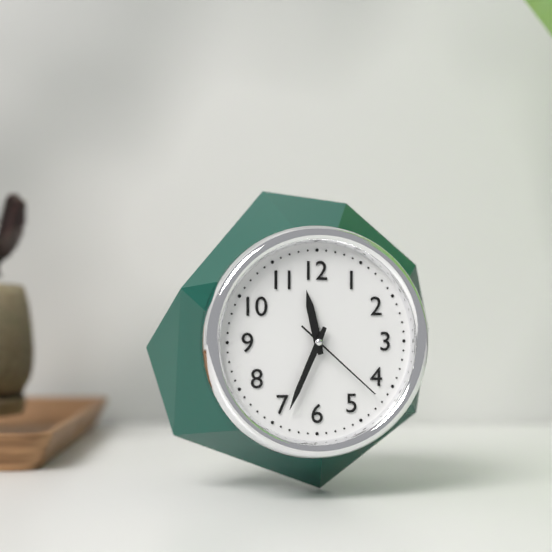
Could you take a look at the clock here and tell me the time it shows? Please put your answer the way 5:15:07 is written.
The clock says 11:34:22
